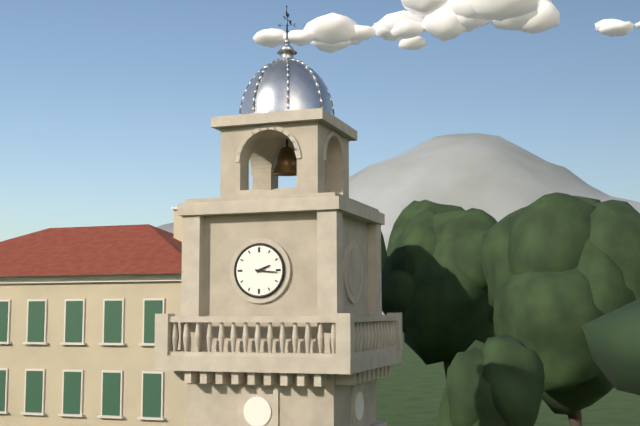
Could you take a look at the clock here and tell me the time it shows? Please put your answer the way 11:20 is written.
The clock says 2:16
